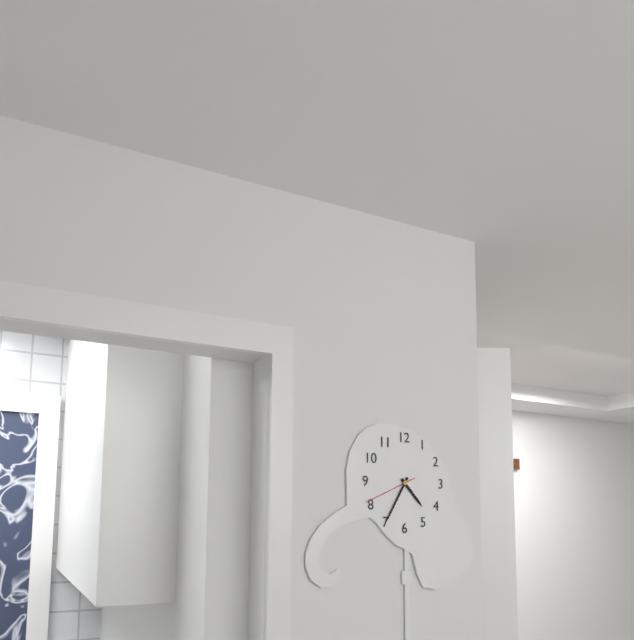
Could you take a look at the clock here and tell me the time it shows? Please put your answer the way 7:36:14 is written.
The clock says 4:35:41
